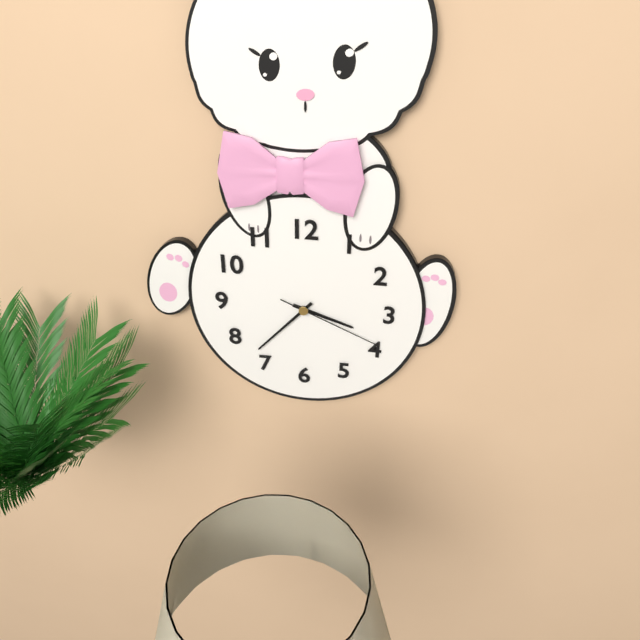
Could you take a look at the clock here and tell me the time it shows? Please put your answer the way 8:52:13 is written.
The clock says 3:37:19
